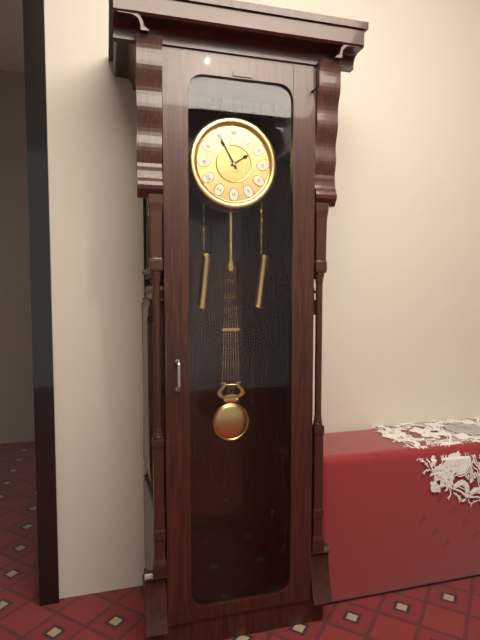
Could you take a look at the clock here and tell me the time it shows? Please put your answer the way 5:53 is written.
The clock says 1:55
